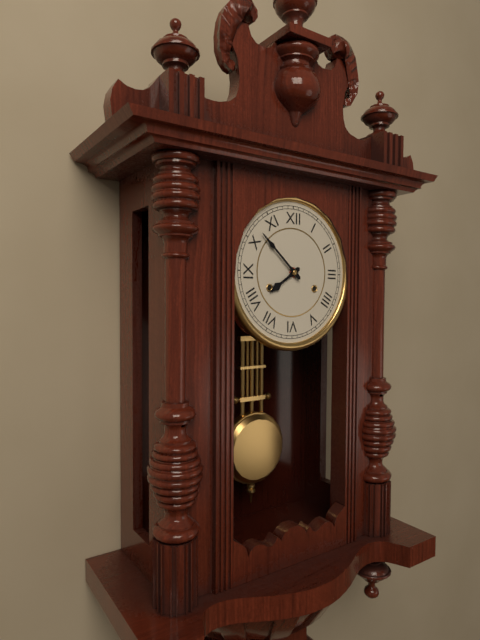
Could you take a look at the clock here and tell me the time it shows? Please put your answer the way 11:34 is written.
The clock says 7:52
